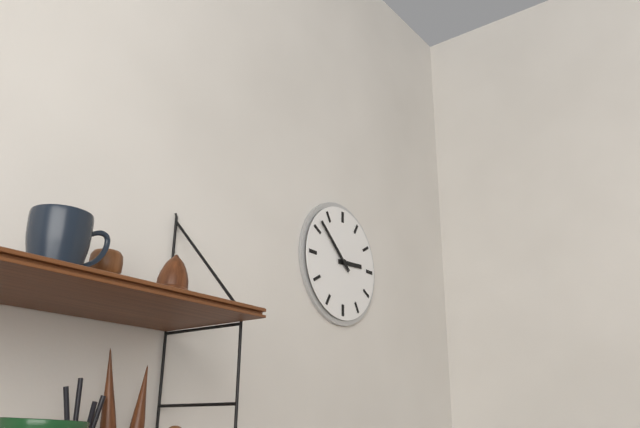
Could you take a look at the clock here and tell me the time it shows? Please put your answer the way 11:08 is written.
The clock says 2:52
